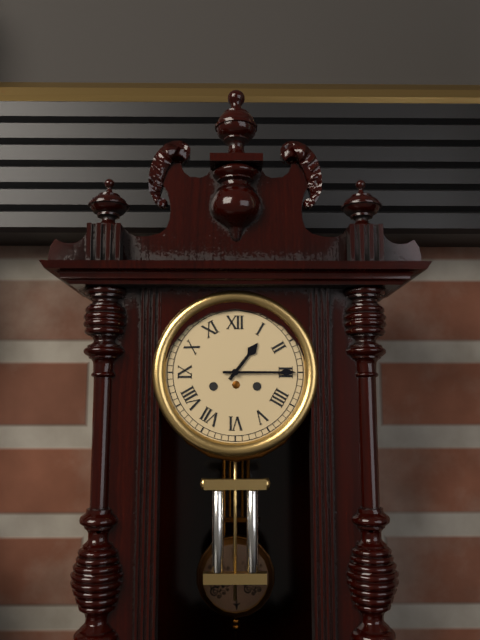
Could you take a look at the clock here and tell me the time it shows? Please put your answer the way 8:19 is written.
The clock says 1:15
